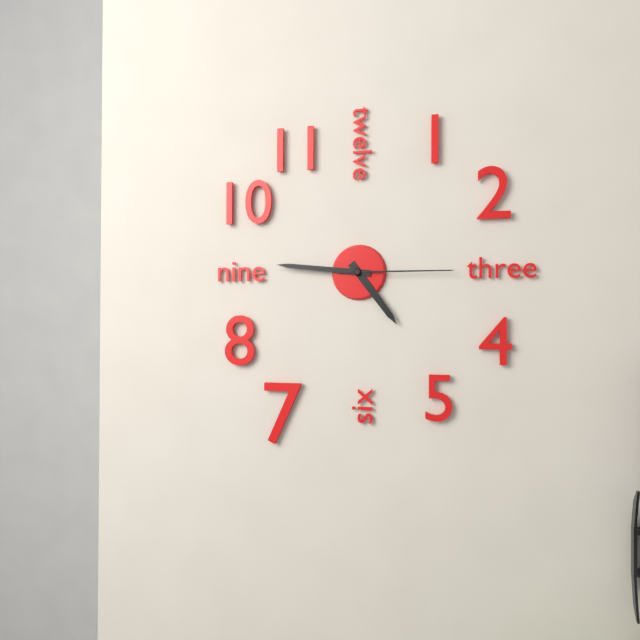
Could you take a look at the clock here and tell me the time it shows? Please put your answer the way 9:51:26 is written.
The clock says 4:46:15
